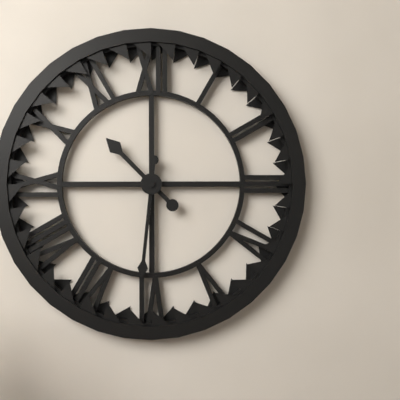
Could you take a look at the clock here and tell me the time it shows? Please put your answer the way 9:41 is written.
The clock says 10:31
